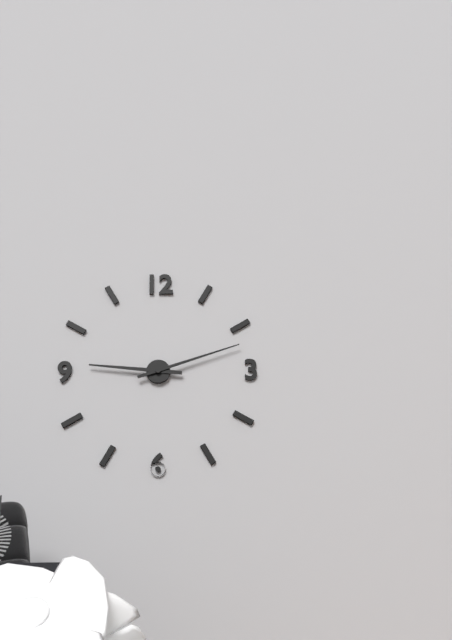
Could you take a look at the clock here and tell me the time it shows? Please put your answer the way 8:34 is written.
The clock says 9:12
